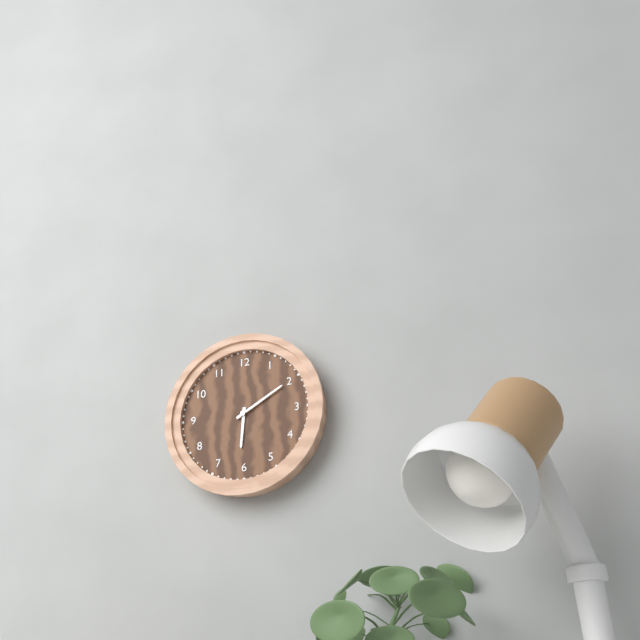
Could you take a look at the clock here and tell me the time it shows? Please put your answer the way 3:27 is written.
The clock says 6:10
